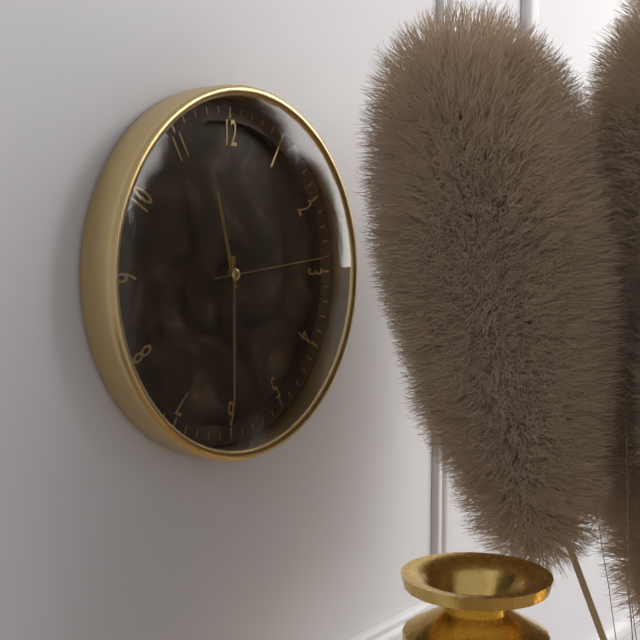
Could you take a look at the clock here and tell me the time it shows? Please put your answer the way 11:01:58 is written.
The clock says 11:30:14
